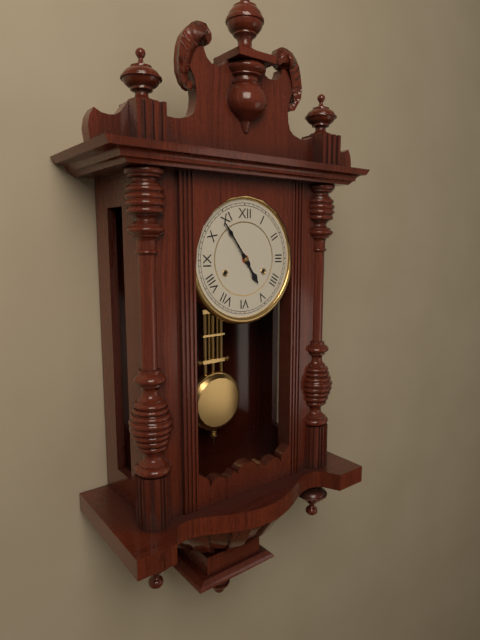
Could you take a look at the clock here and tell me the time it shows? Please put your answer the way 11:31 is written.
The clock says 4:54
